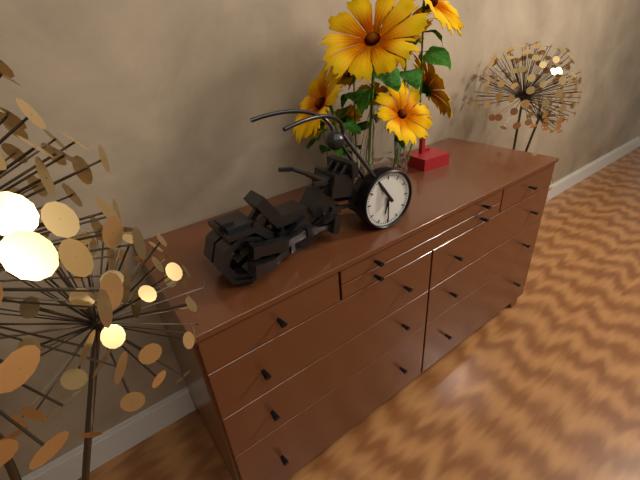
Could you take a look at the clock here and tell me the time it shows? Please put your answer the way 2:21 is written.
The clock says 6:30
